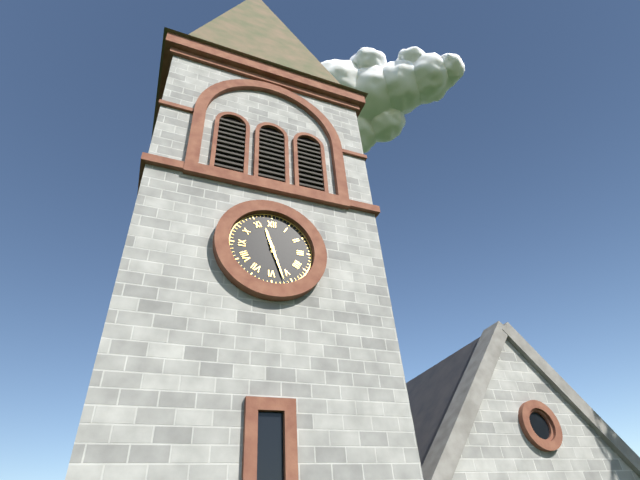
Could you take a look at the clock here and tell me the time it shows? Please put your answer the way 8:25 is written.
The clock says 11:27
